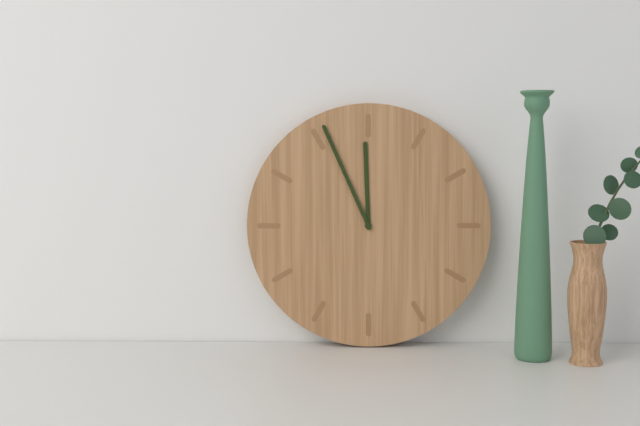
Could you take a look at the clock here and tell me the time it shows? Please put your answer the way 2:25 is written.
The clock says 11:56
